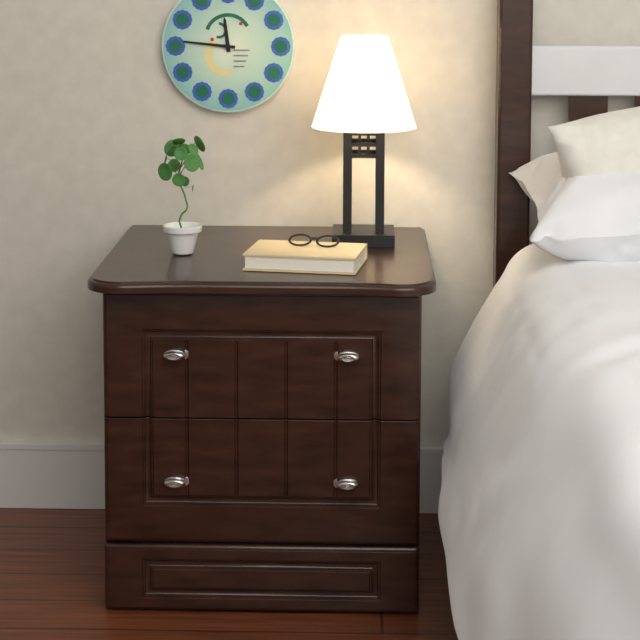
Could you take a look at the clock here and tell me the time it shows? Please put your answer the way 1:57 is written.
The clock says 11:46
